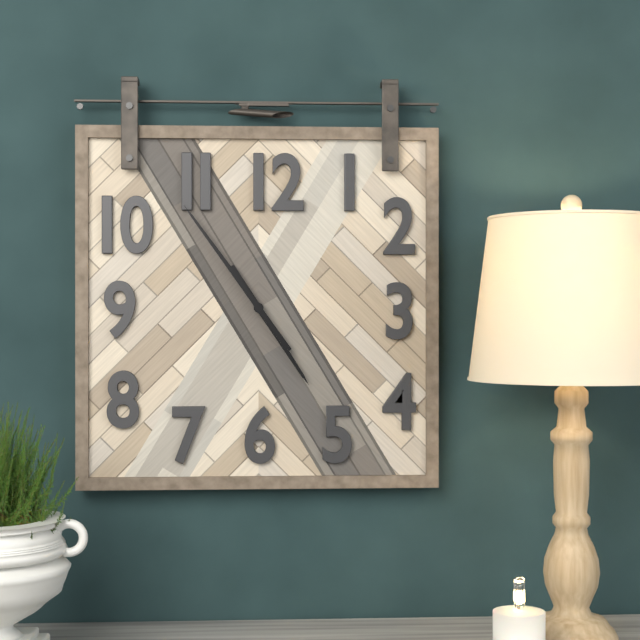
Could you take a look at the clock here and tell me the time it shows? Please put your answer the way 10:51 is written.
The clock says 4:54
